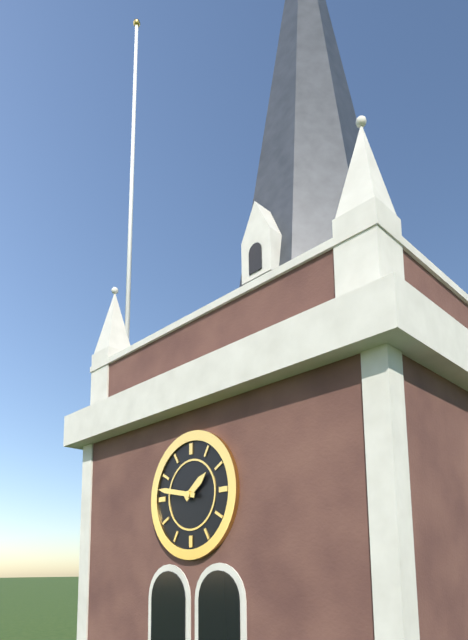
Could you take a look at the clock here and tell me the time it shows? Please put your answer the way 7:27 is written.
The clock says 1:47
